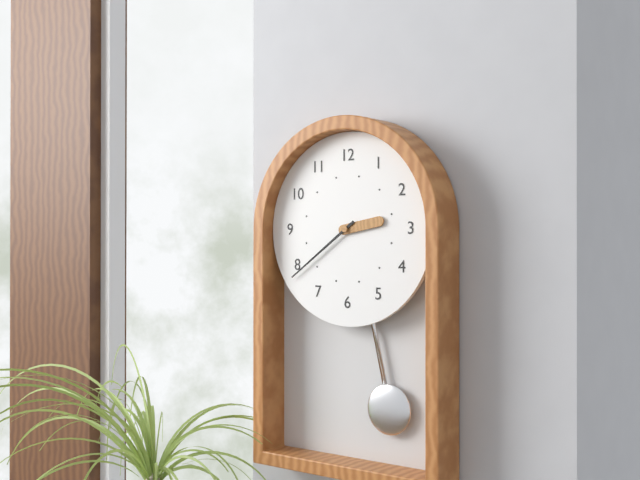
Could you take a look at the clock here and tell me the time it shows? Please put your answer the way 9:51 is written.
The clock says 2:39
